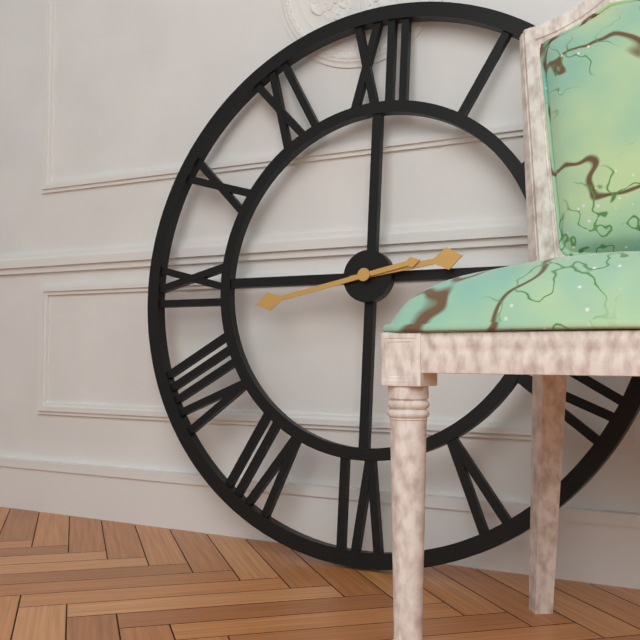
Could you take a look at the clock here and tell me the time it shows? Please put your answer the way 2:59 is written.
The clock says 2:43
